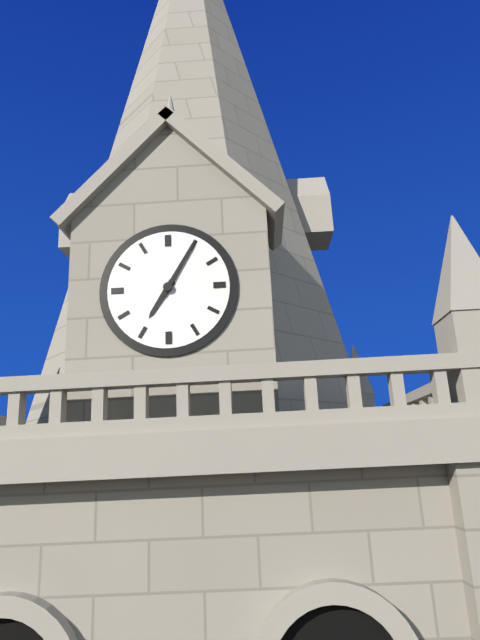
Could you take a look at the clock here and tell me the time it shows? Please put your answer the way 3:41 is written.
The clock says 7:05
